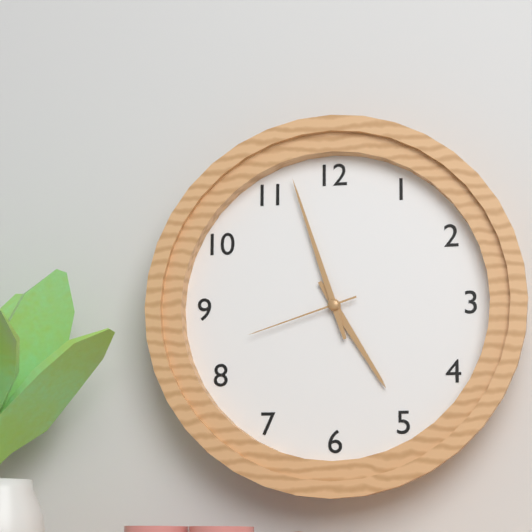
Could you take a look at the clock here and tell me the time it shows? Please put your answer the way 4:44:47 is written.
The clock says 4:57:42
